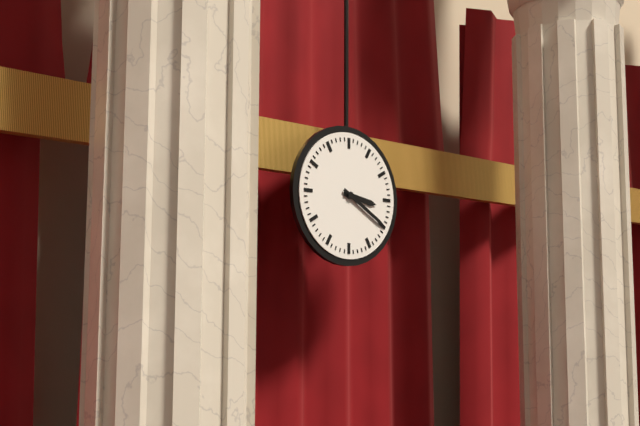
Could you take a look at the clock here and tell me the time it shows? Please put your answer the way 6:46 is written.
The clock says 3:20
